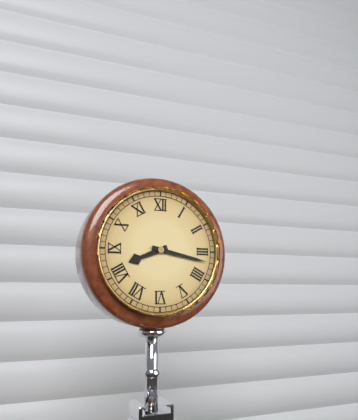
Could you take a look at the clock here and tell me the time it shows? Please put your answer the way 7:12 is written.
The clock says 8:17
